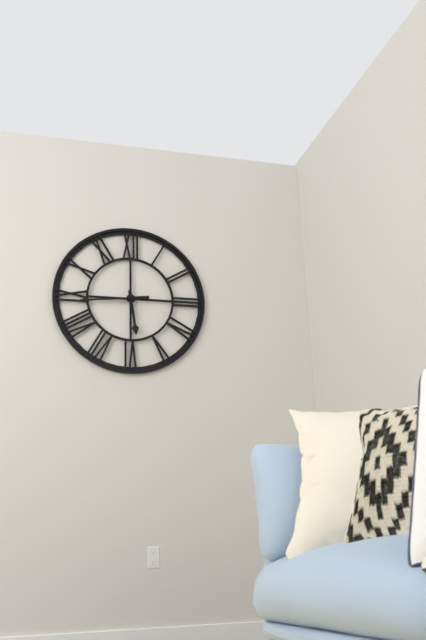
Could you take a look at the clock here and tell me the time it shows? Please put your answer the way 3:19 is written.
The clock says 5:44
